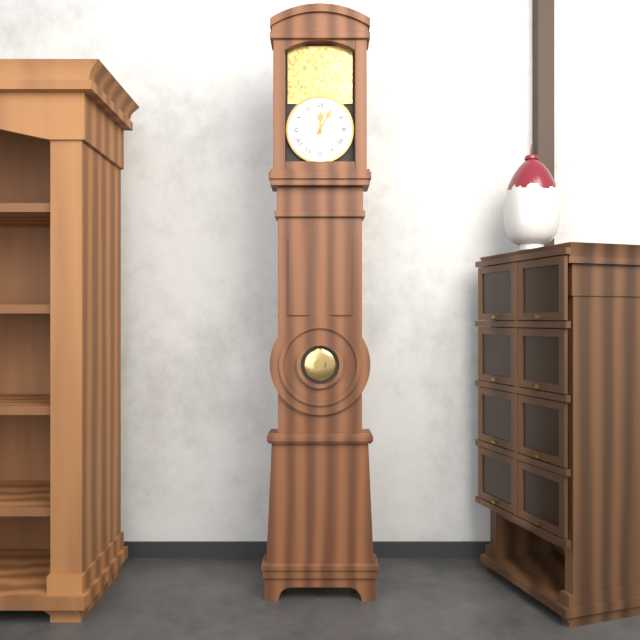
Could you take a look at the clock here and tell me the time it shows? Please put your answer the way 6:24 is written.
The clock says 12:05
